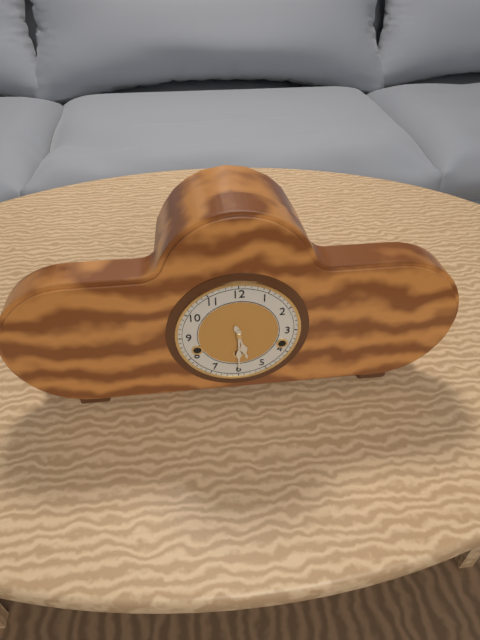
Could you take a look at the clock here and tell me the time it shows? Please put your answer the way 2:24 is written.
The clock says 5:30
